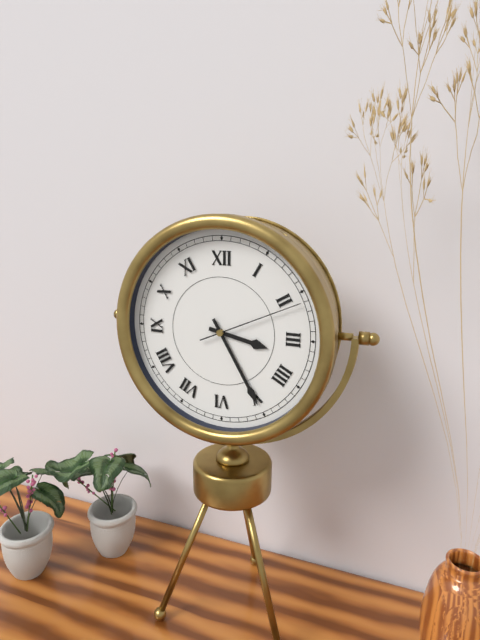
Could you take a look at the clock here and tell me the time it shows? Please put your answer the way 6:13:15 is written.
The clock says 3:25:11
